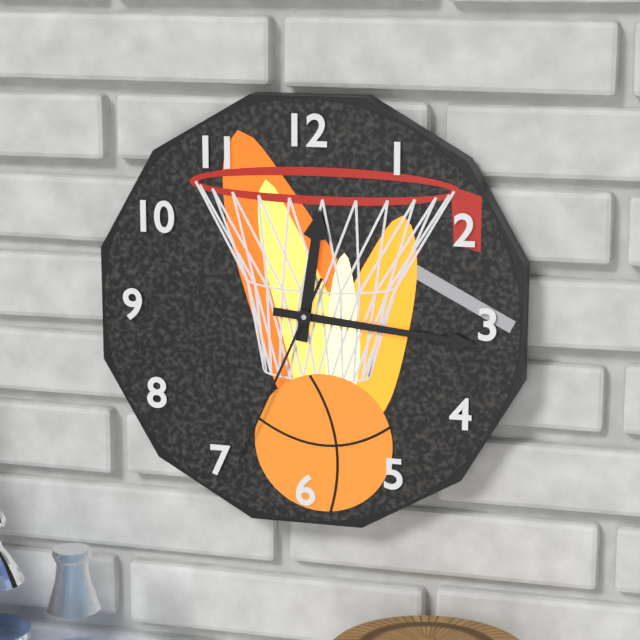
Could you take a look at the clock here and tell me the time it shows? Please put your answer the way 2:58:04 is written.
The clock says 12:16:34
